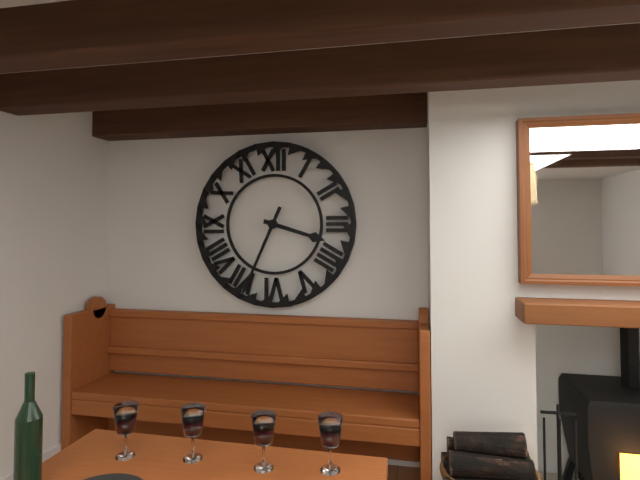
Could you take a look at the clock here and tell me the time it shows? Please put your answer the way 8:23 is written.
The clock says 3:34
